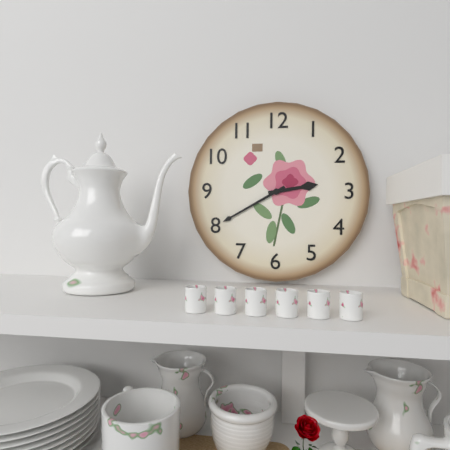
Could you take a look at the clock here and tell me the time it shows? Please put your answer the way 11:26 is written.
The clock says 2:40
